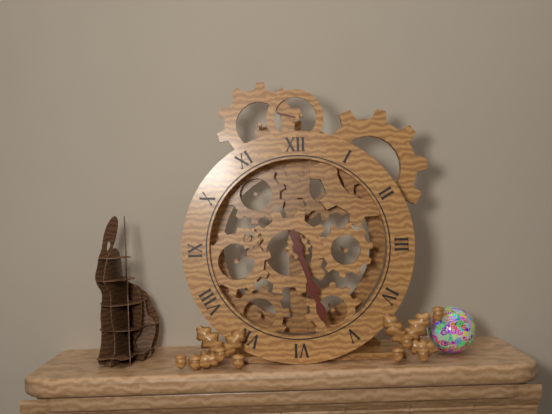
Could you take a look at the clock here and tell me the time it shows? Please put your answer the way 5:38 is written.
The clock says 5:27
